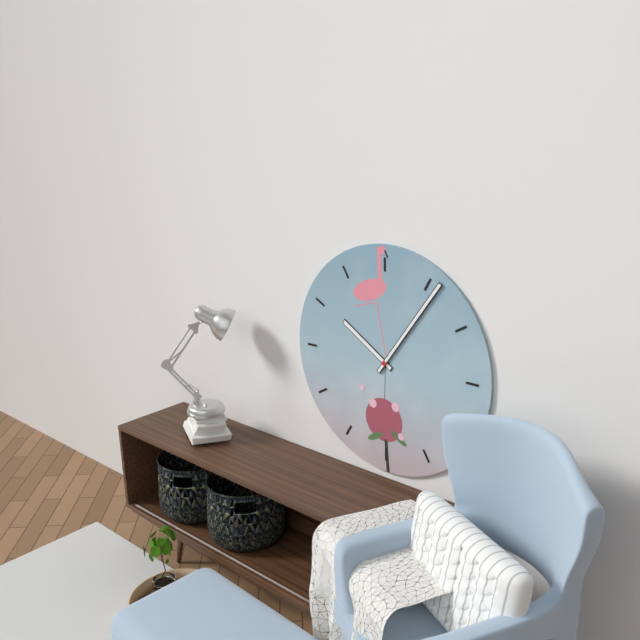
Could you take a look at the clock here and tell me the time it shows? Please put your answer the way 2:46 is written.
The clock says 10:06
